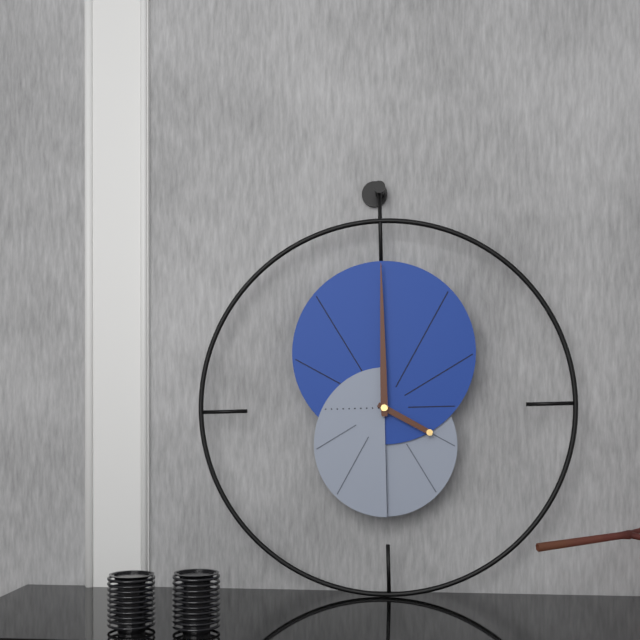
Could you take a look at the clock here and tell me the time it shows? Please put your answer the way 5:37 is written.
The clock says 4:00
